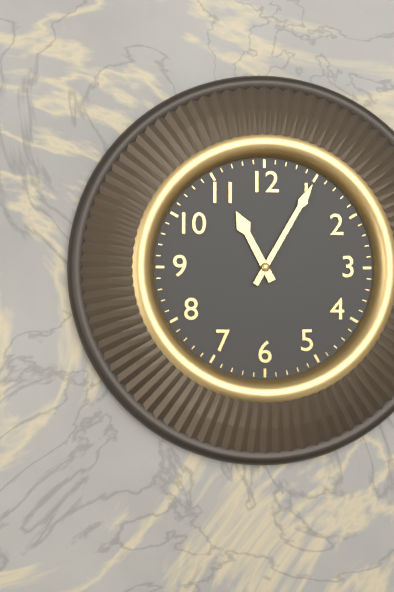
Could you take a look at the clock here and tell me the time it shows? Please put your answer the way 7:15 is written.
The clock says 11:05
